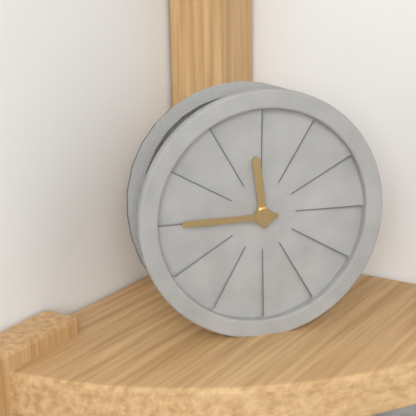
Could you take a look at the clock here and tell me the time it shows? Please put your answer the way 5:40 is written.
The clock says 11:45
